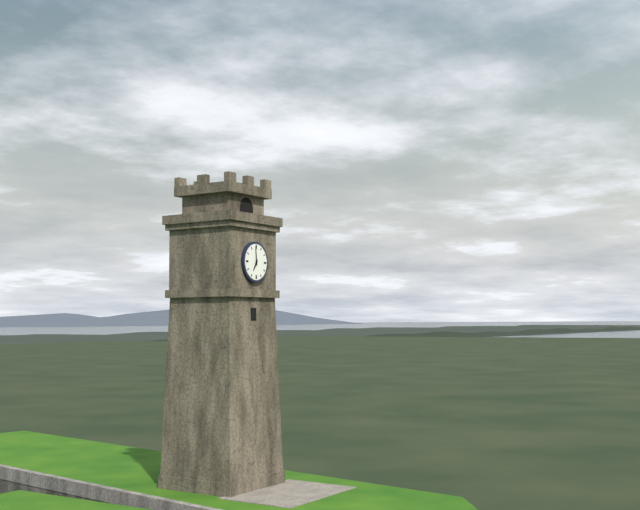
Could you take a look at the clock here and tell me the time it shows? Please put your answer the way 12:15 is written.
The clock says 6:59
